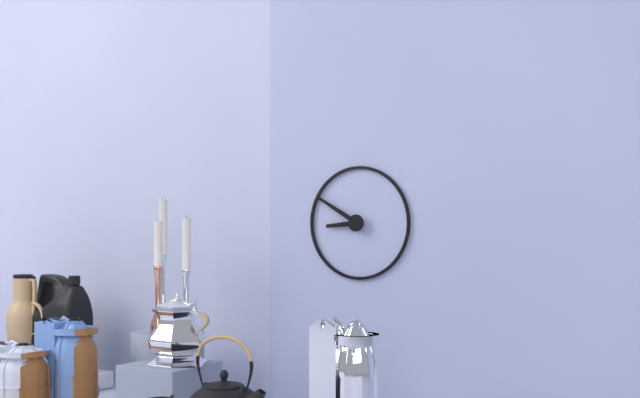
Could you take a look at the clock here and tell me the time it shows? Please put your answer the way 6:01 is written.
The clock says 8:50
